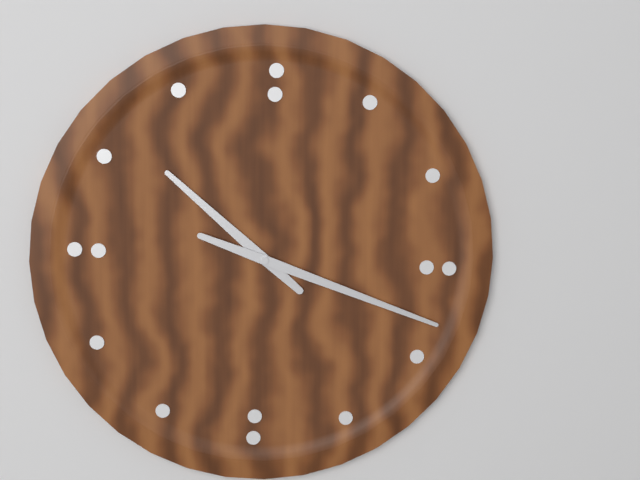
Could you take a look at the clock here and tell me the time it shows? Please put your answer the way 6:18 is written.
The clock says 10:18
